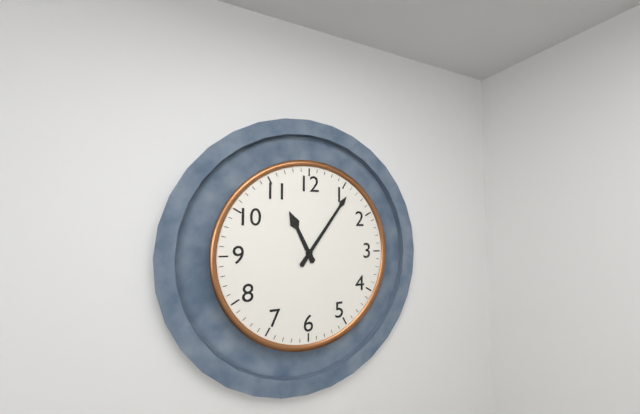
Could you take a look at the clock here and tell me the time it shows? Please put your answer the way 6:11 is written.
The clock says 11:06
